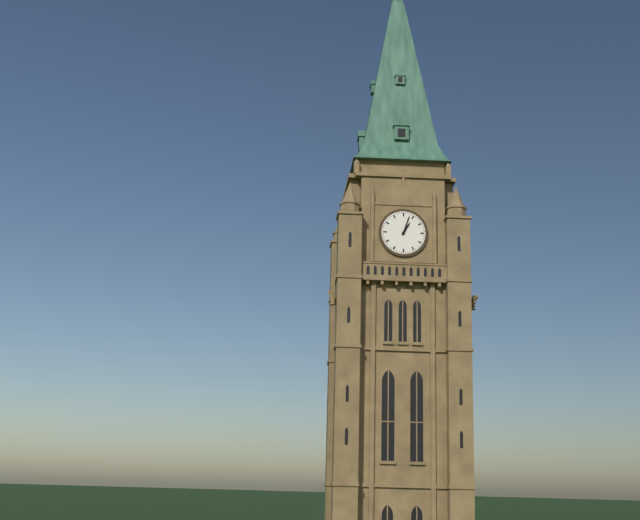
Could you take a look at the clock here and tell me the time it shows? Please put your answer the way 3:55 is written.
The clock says 1:03
